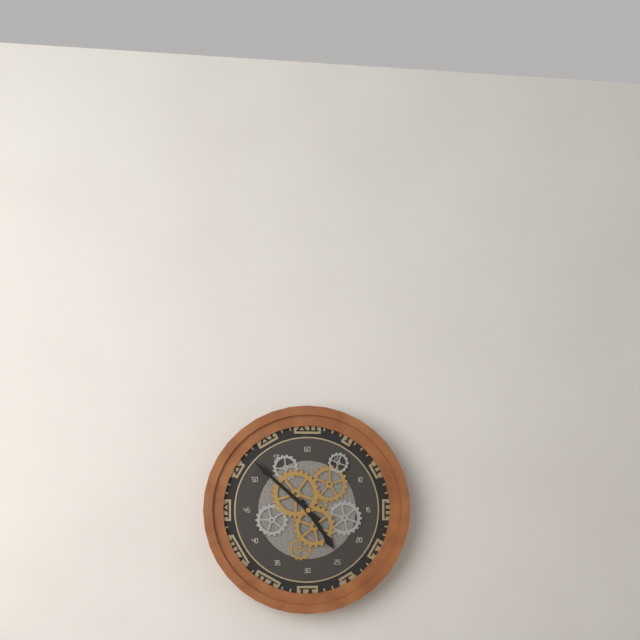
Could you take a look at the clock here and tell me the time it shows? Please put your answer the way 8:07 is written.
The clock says 4:52
